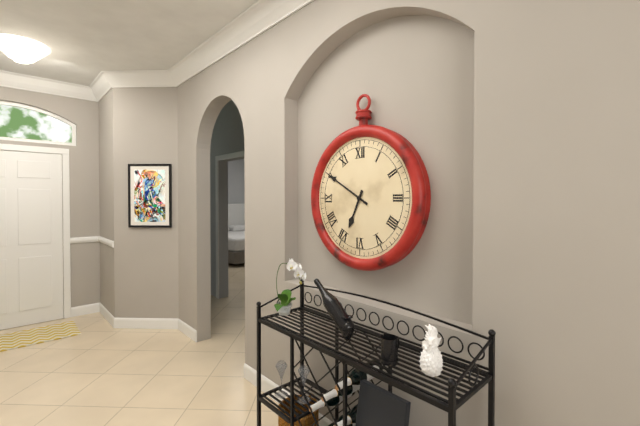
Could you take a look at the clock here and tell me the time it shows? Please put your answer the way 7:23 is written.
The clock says 6:50
